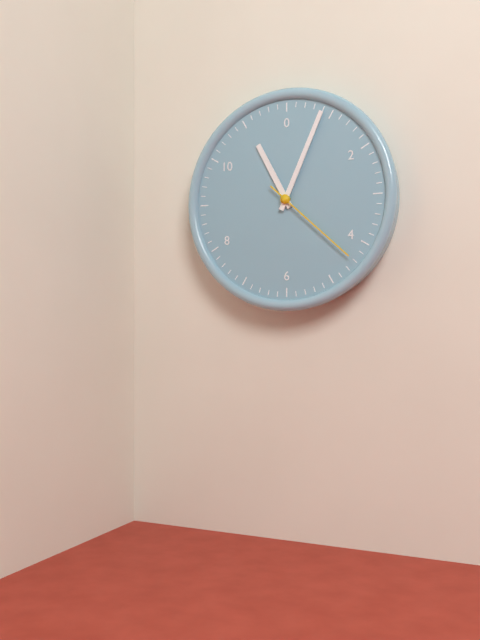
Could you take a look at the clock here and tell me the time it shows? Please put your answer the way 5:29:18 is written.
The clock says 11:04:22
